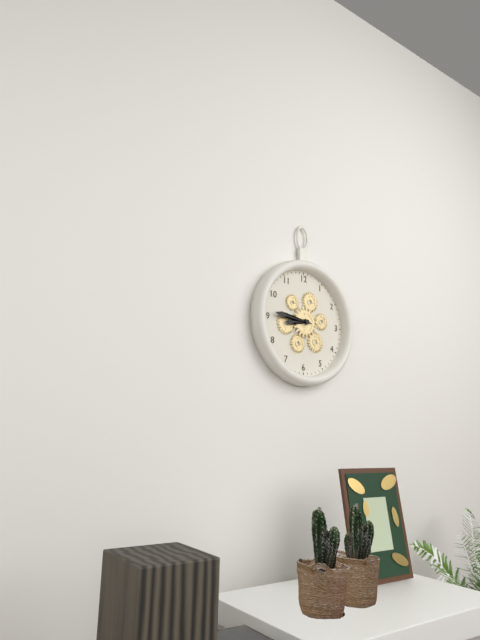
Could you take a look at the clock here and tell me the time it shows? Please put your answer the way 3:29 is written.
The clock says 8:46
